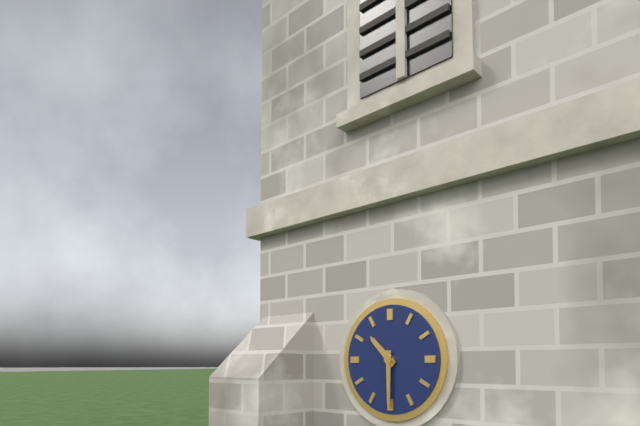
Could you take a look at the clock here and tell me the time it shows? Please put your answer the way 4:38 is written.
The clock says 10:30
